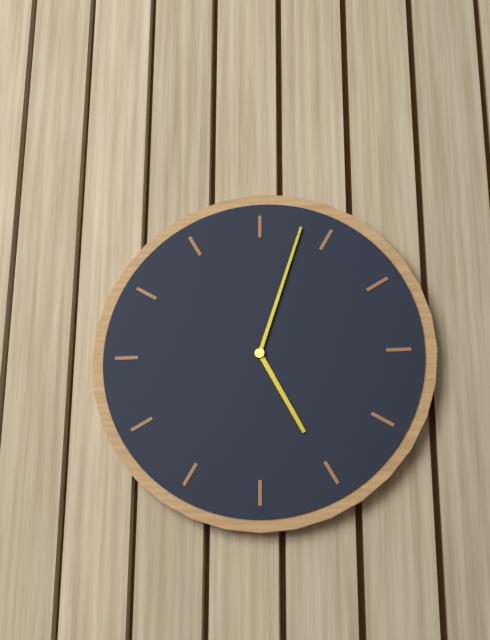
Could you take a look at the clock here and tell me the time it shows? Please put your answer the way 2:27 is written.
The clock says 5:03
